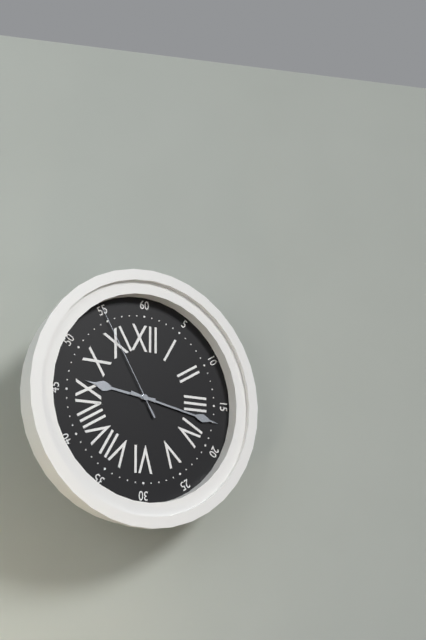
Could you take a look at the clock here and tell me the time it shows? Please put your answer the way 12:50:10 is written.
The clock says 9:17:55
